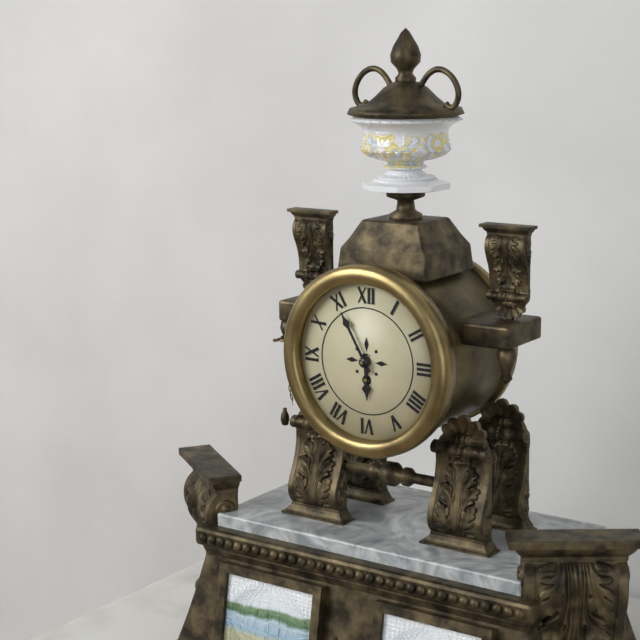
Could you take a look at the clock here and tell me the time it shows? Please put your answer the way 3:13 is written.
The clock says 5:55
